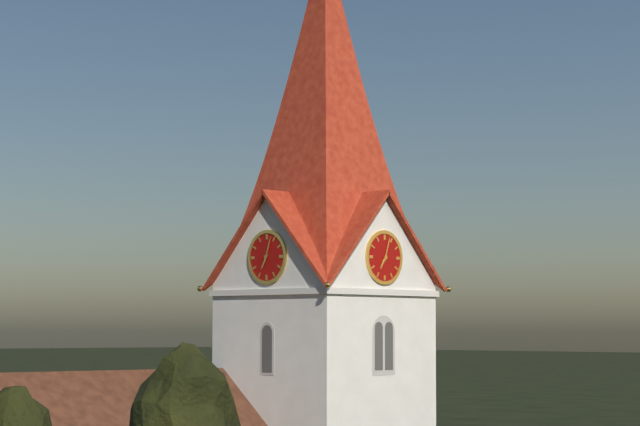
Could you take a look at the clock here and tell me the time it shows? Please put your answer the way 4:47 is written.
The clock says 7:03
